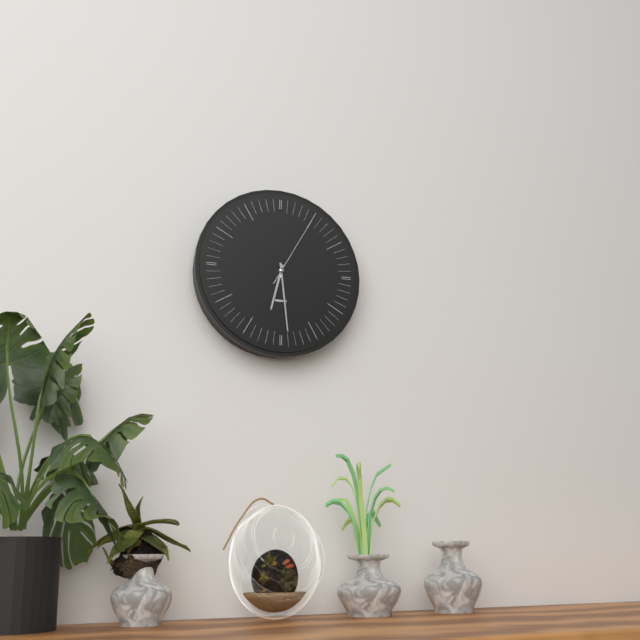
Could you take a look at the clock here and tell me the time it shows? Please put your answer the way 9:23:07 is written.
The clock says 6:29:05
